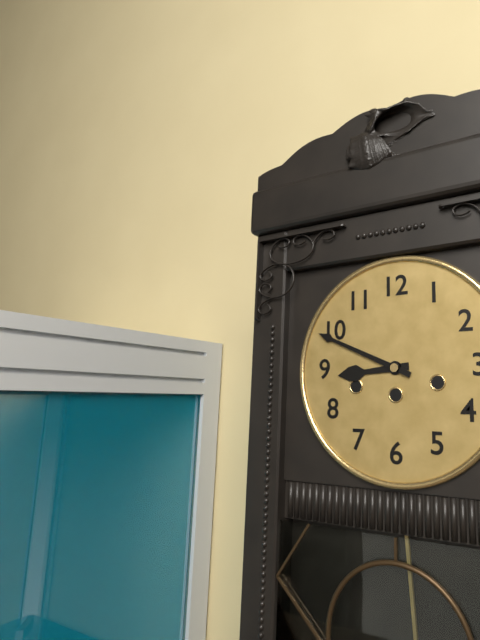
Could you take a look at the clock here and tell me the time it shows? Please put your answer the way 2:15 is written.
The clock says 8:49
